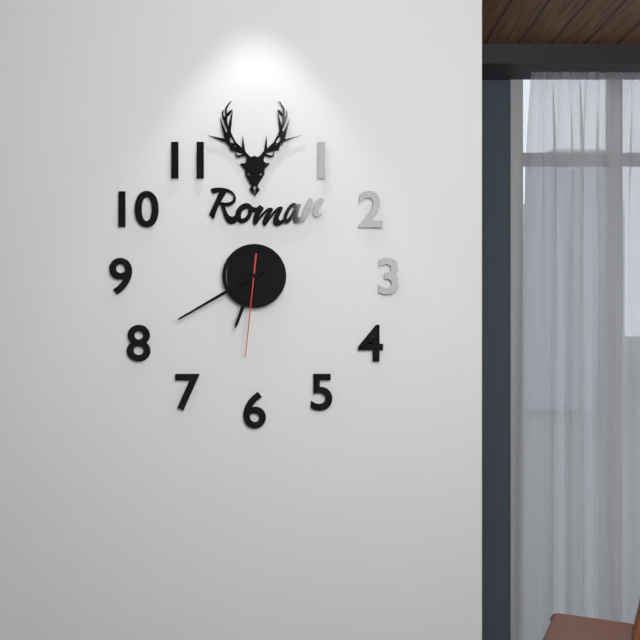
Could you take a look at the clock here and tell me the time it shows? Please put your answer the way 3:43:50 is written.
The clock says 6:40:31
